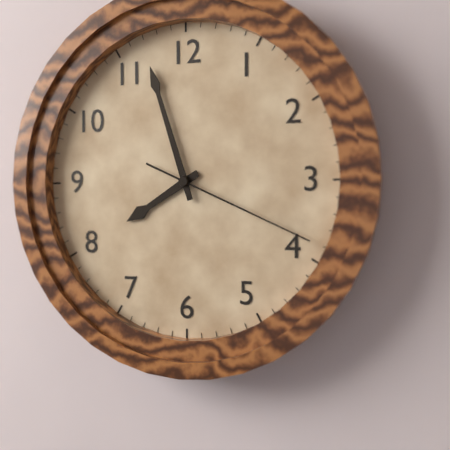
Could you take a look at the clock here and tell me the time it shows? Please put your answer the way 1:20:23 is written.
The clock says 7:57:19
